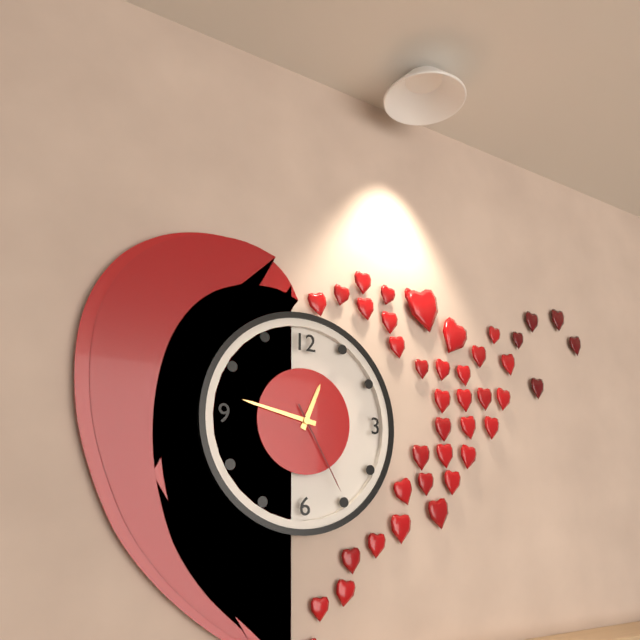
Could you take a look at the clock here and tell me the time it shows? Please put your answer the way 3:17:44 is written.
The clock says 12:47:25
